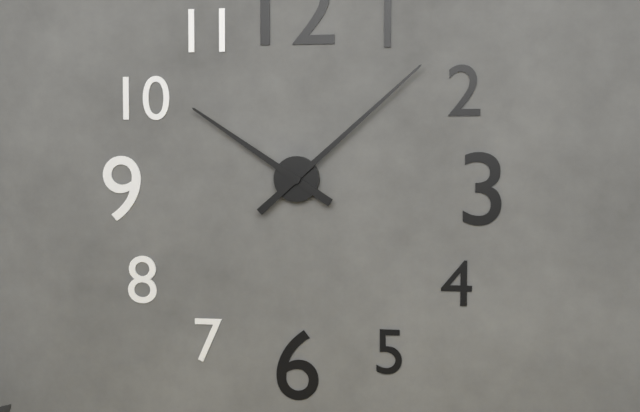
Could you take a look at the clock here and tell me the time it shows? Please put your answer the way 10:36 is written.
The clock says 10:08
